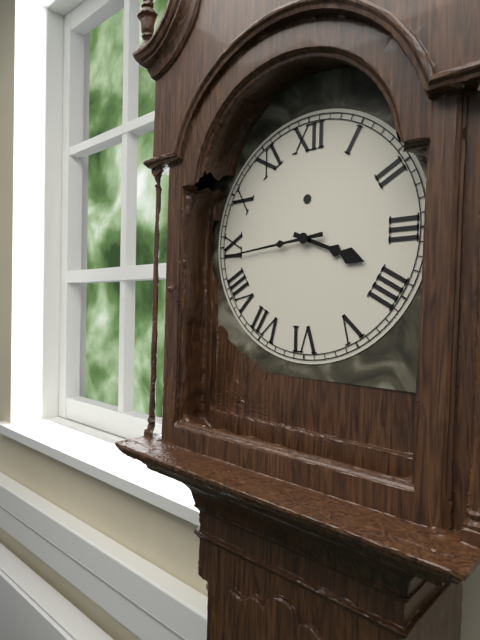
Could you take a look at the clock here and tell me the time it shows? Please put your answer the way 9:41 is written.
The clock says 3:44
